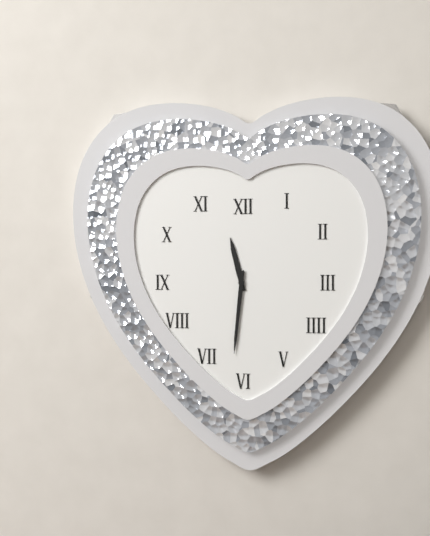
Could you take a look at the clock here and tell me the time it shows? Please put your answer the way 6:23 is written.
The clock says 11:31
